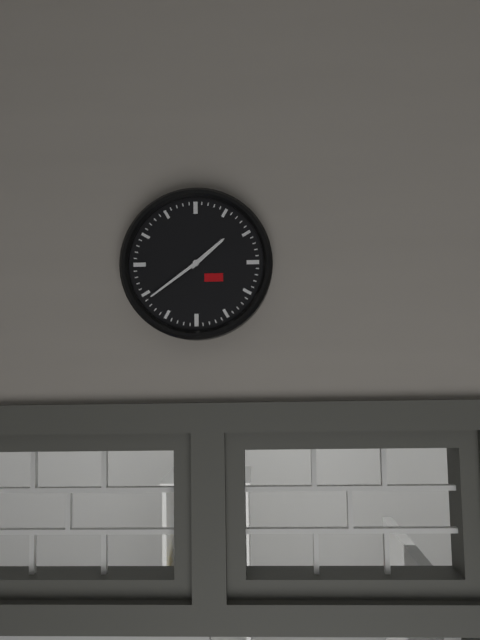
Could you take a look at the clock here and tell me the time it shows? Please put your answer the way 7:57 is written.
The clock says 1:39
